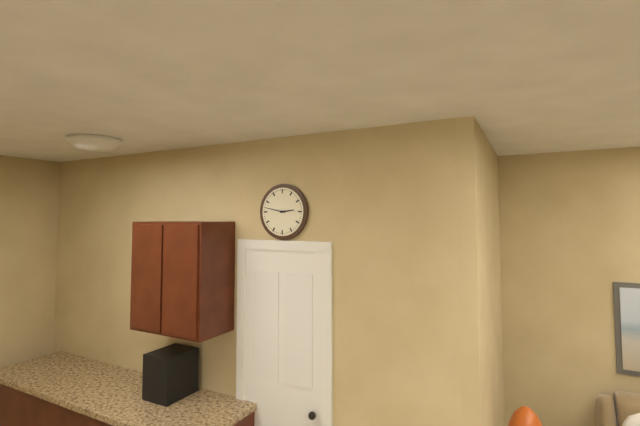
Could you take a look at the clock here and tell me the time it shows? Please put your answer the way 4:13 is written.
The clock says 2:47
